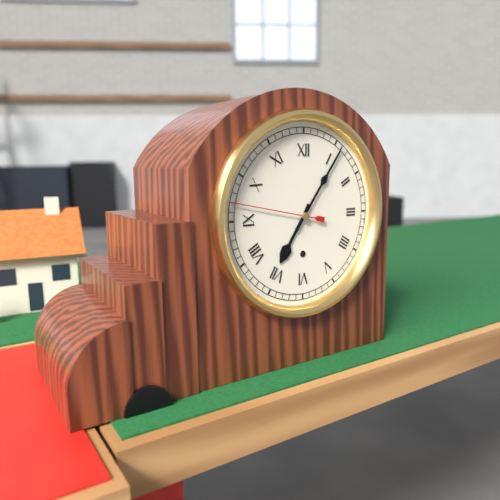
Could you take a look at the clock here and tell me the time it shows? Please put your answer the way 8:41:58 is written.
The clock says 7:06:47
